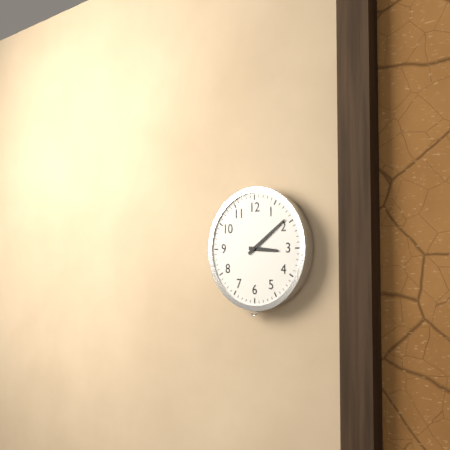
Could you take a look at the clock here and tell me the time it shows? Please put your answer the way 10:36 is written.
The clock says 3:09
